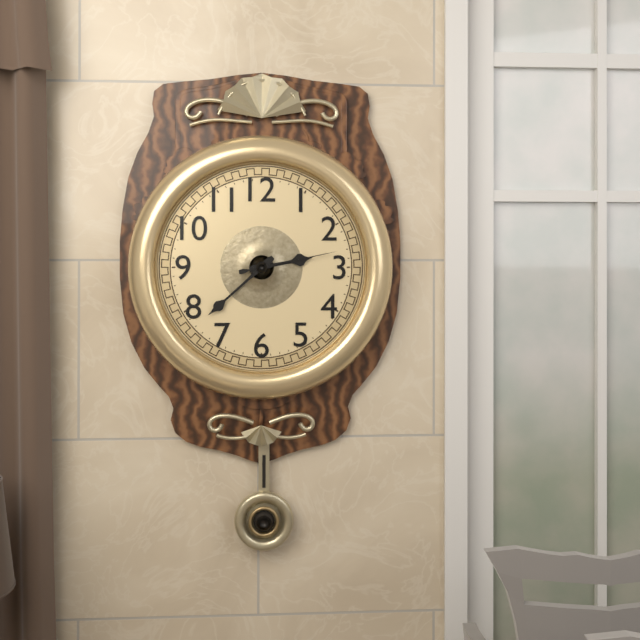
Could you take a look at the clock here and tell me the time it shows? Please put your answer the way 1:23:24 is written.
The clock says 2:38:13
